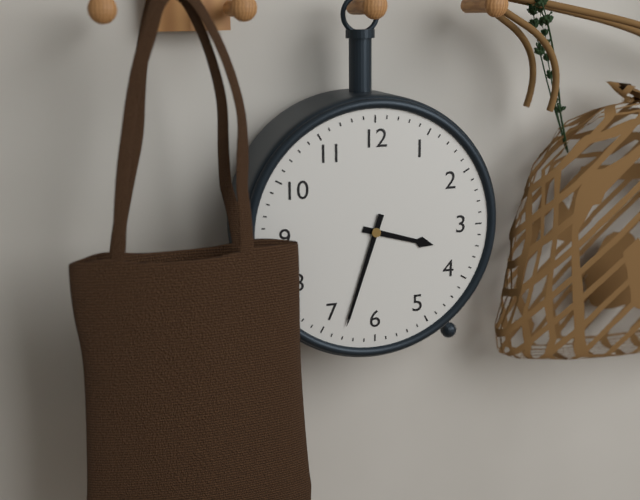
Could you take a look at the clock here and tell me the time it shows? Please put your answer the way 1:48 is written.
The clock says 3:33
